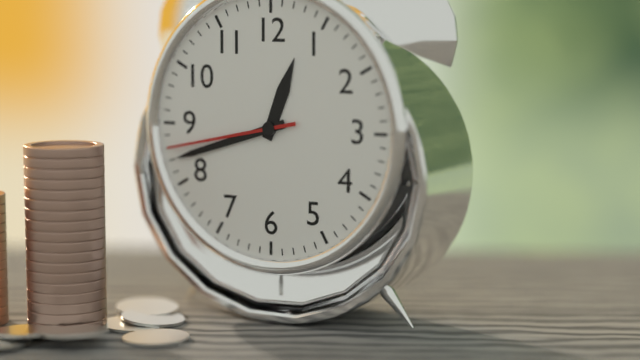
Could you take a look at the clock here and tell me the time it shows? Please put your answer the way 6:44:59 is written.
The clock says 12:42:43
